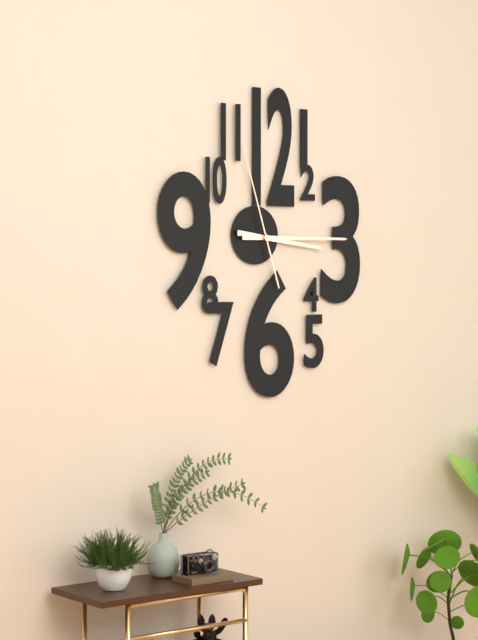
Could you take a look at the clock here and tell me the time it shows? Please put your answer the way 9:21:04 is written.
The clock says 3:15:57
